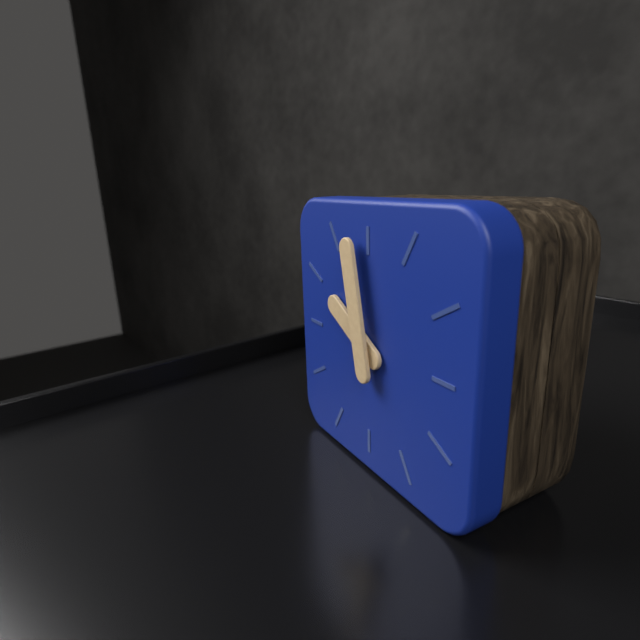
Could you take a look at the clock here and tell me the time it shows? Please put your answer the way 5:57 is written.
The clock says 9:58
